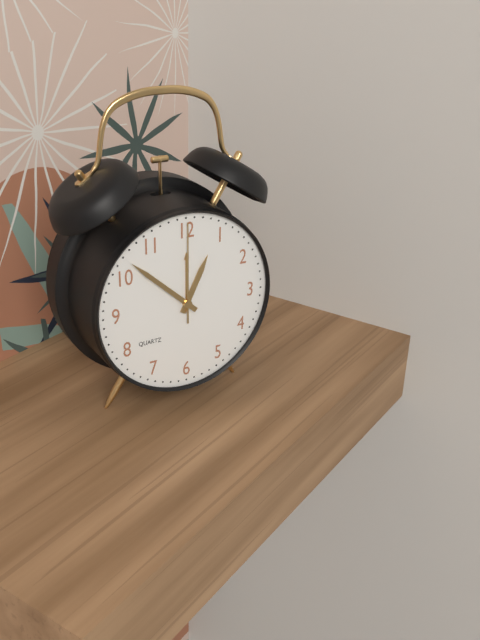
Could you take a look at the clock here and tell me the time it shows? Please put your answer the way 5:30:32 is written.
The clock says 12:52:00
